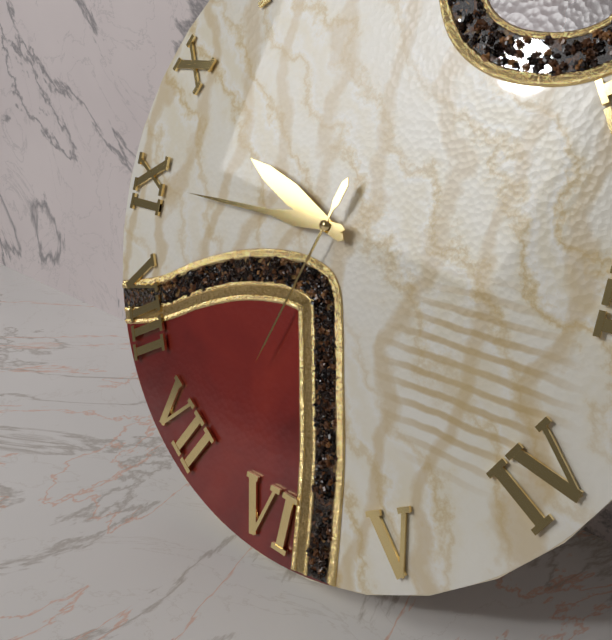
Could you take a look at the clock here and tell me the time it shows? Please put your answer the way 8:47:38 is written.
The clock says 9:45:33
